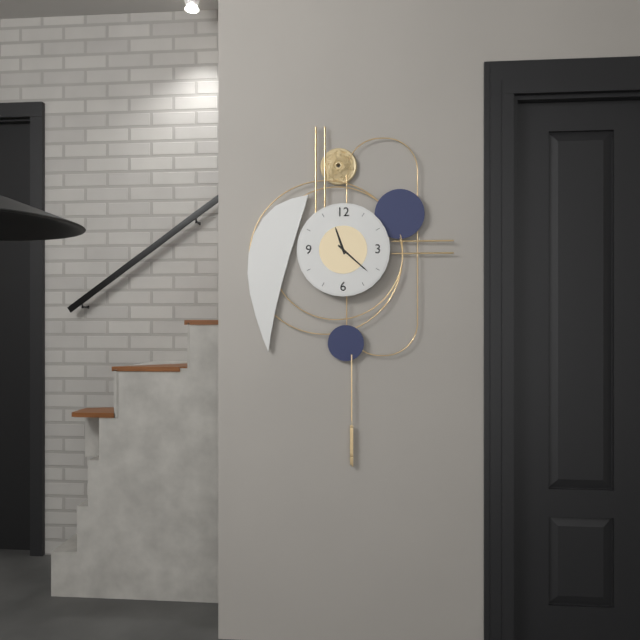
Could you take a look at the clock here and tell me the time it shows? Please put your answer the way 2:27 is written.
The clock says 11:22
